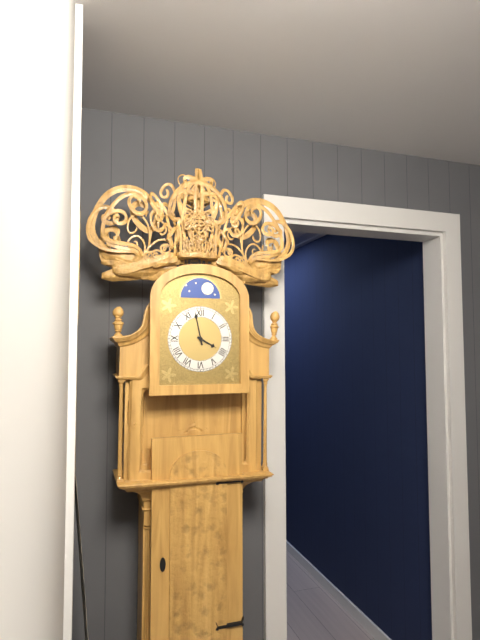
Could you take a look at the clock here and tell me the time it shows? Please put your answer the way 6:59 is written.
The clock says 3:58
